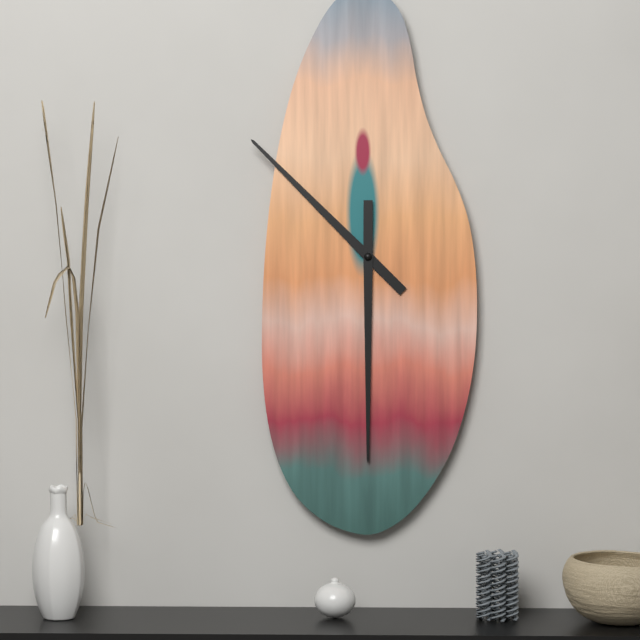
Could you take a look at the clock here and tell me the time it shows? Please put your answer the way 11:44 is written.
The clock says 10:30
